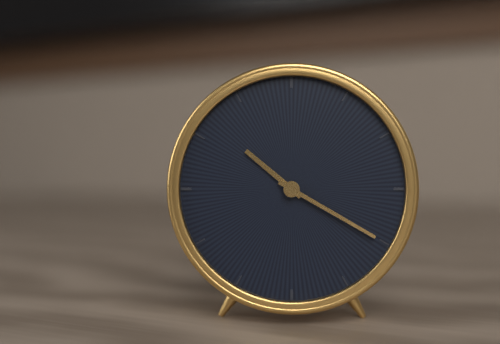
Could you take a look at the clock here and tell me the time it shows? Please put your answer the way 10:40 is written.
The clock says 10:20
